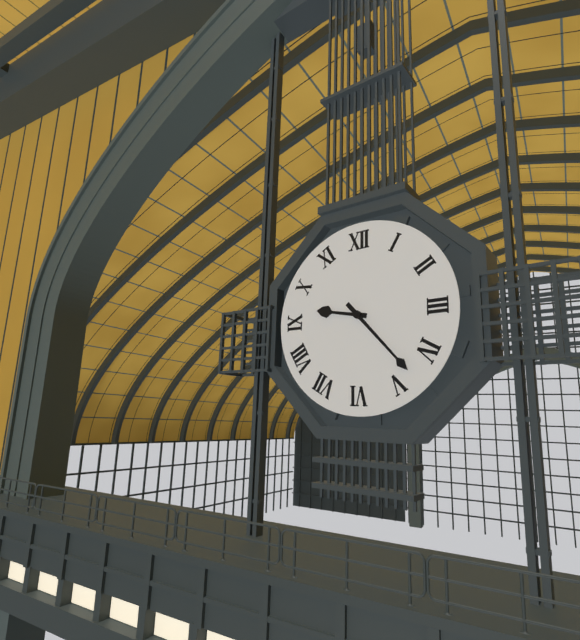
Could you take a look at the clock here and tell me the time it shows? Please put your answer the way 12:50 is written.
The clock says 9:23
